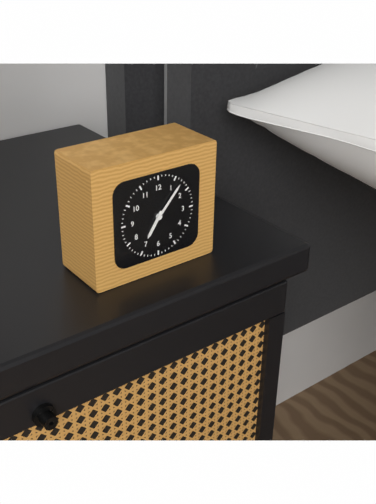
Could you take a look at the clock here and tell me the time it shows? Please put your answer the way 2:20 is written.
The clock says 7:07
